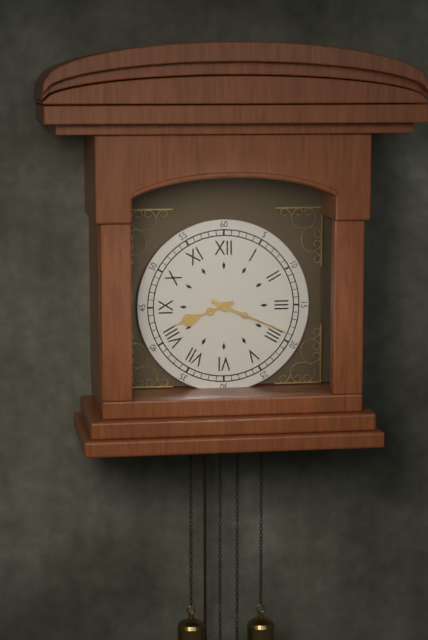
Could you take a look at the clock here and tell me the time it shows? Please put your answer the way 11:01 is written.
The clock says 8:19
